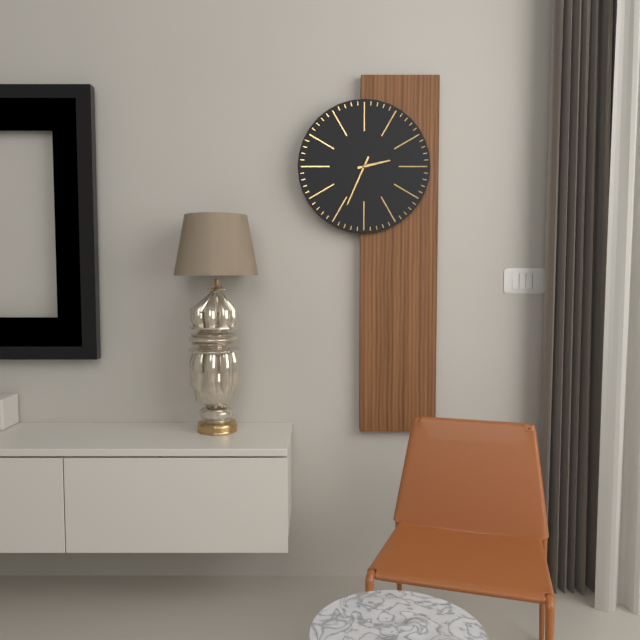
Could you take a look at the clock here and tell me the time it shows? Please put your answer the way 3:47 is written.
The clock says 2:34
